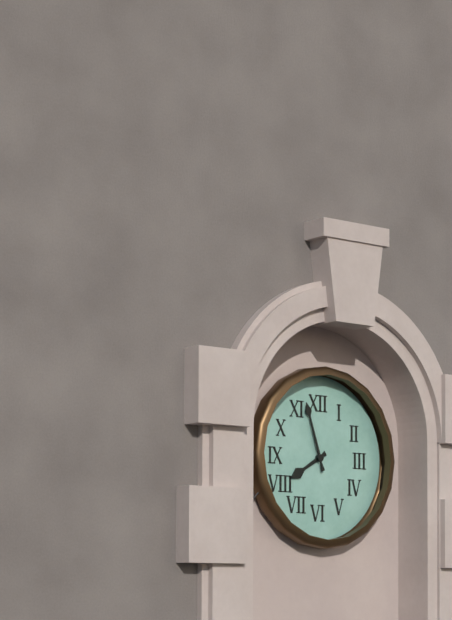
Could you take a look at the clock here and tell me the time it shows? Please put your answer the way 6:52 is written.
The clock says 7:57
